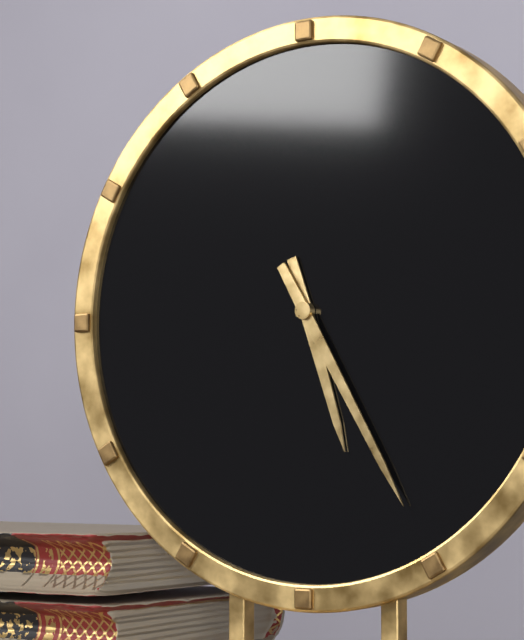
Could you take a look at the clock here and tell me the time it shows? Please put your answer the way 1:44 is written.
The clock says 5:25
